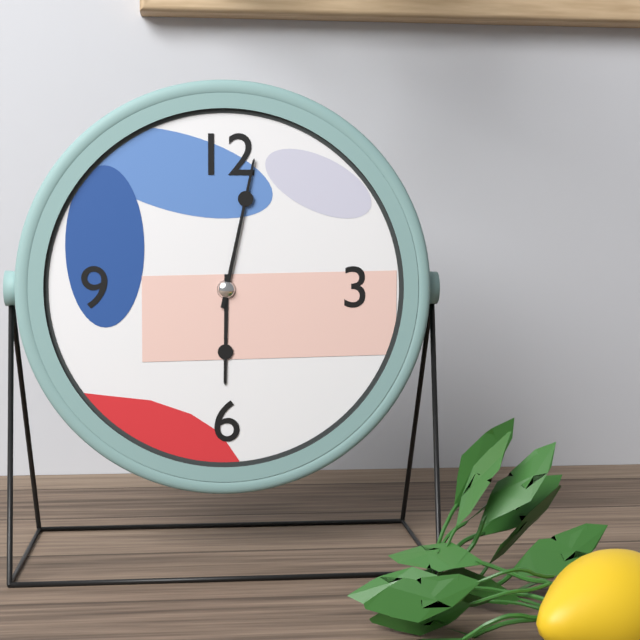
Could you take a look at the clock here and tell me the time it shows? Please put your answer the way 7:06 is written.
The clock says 6:02
